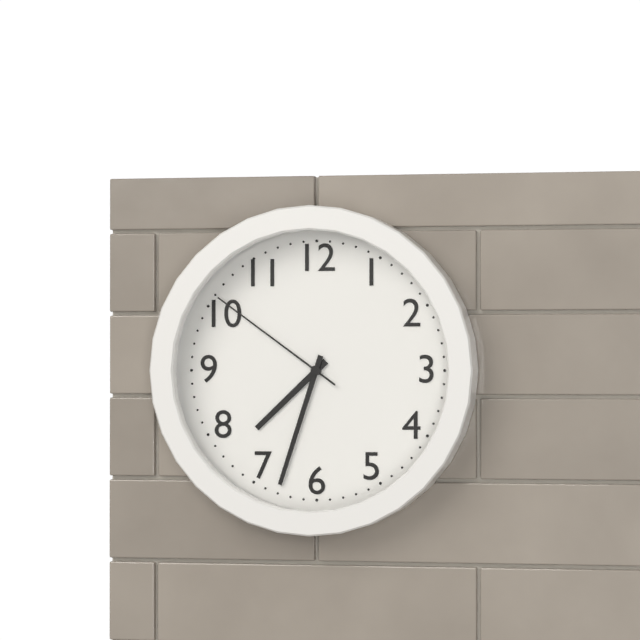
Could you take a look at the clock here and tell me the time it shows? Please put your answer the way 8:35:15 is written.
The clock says 7:33:51
